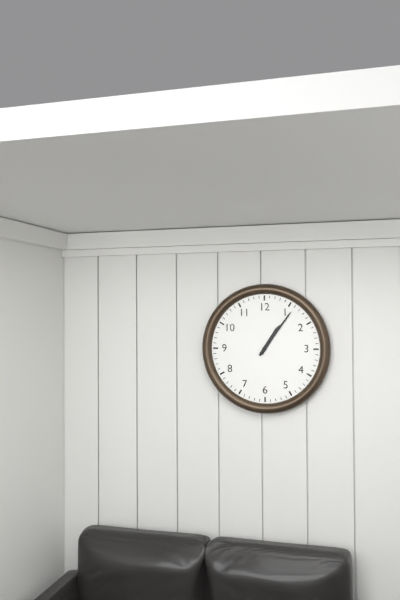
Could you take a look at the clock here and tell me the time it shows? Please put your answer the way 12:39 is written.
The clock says 1:06
